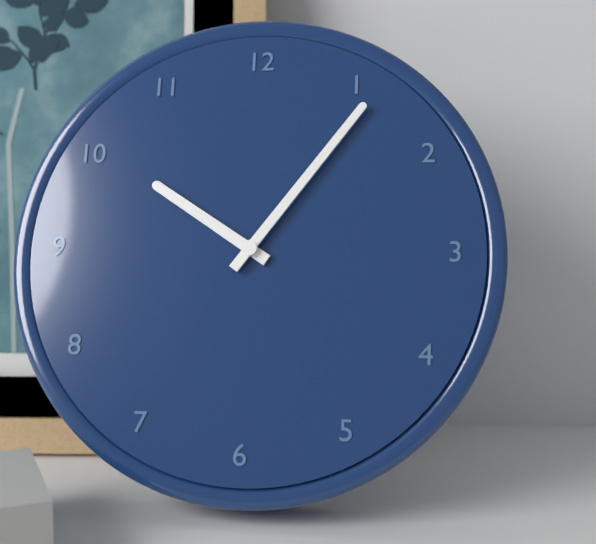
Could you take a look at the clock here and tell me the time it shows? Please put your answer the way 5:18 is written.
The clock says 10:06
